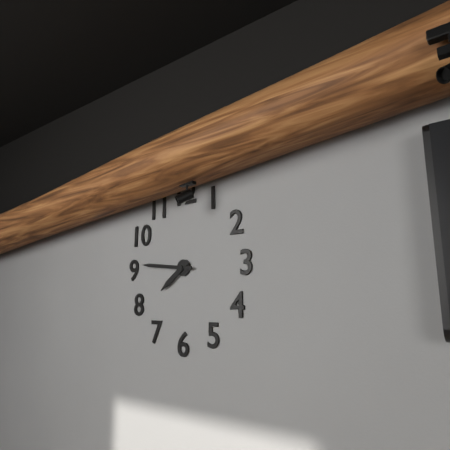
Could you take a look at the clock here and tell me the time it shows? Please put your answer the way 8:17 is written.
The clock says 7:46
